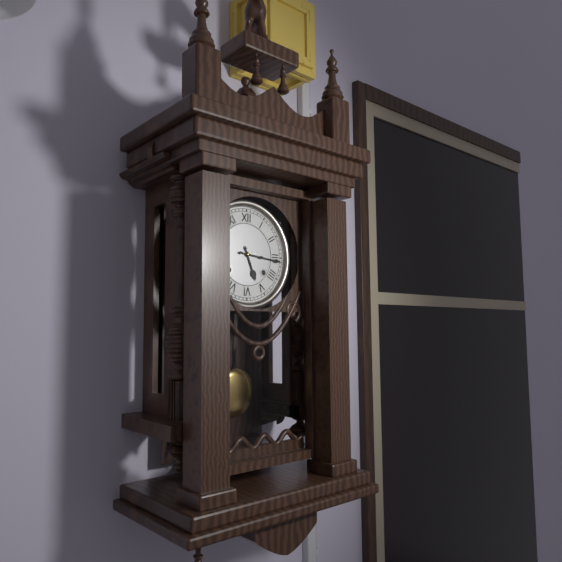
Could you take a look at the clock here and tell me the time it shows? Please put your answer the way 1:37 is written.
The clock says 5:16
